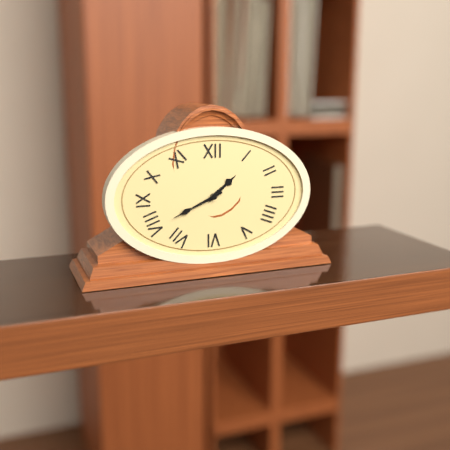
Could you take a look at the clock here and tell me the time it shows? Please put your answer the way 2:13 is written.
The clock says 1:41
